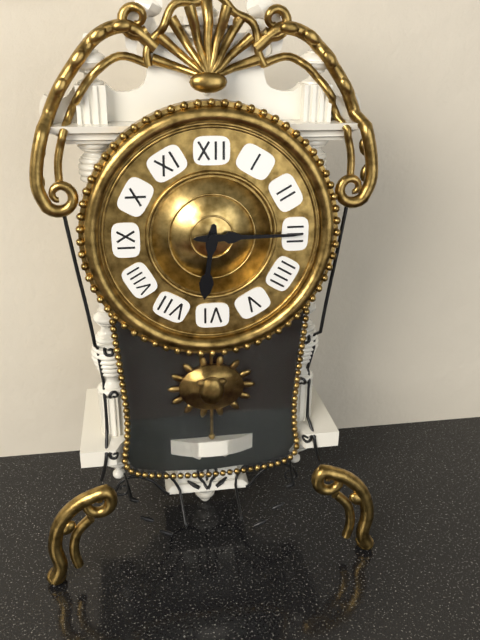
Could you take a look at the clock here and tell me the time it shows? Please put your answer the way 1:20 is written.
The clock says 6:15
